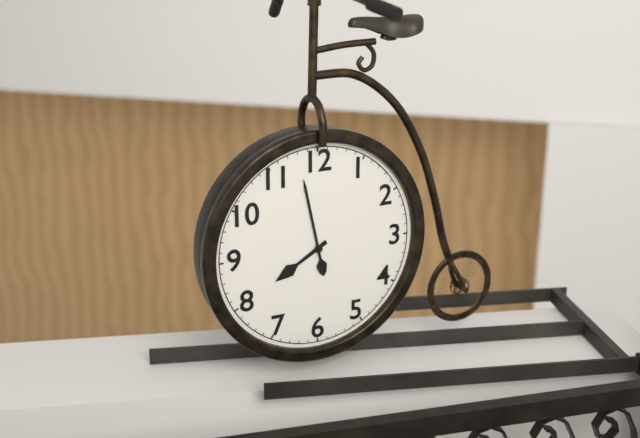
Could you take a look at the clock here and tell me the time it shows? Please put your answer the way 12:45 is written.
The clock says 7:58
